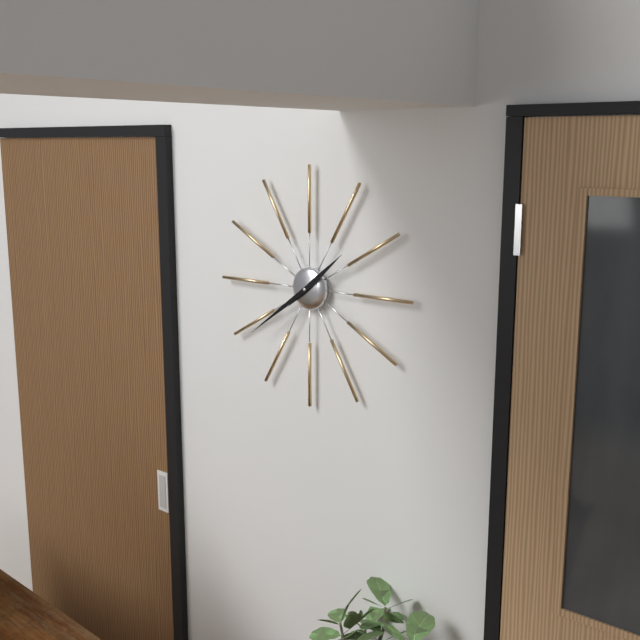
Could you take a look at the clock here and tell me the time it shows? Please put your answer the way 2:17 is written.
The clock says 1:39
